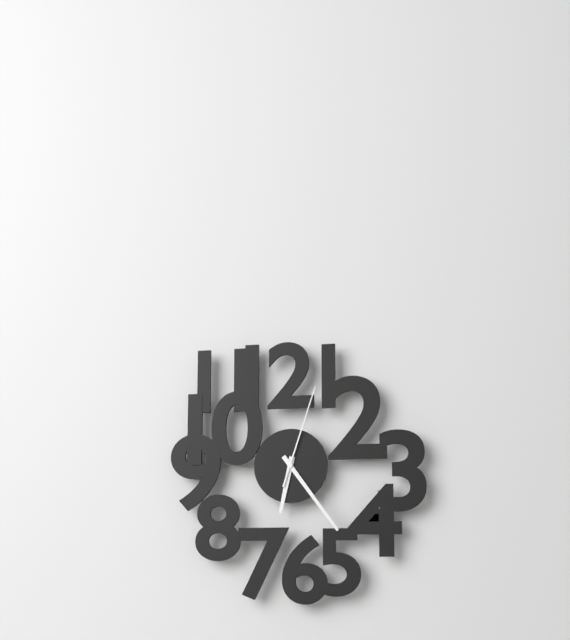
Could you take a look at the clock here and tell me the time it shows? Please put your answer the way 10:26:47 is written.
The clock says 6:24:03
